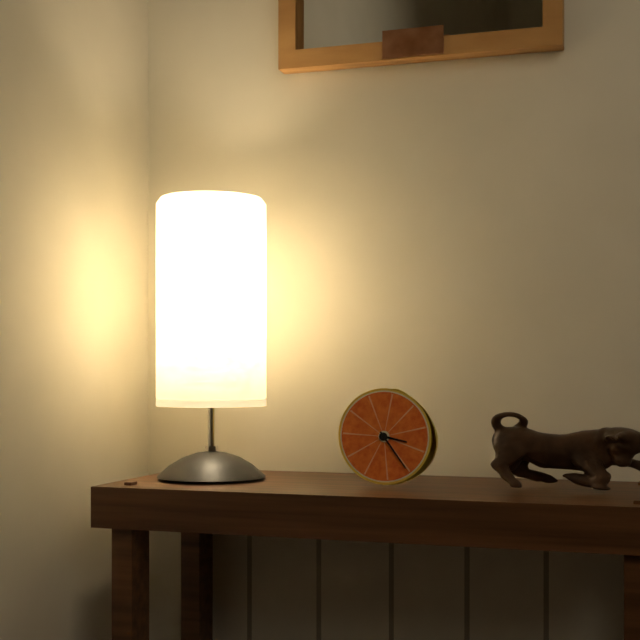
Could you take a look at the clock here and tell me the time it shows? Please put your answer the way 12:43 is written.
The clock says 3:24
